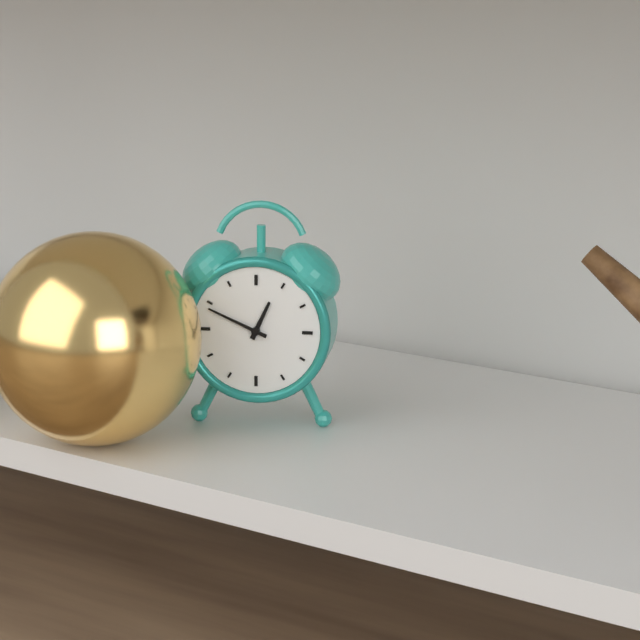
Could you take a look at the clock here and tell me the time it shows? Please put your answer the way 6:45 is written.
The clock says 12:49
